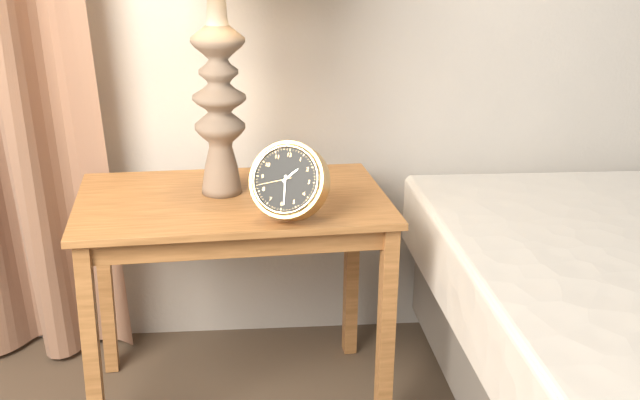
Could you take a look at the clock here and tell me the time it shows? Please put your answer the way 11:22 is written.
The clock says 1:29
